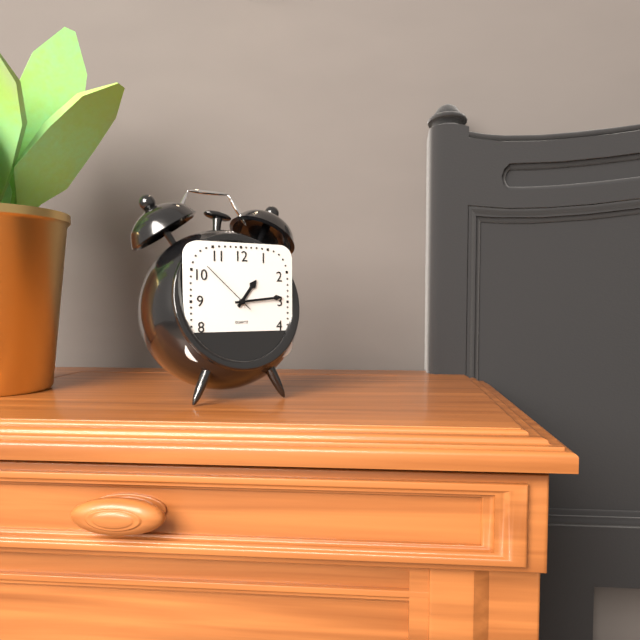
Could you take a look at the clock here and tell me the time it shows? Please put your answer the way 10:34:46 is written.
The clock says 1:14:52
